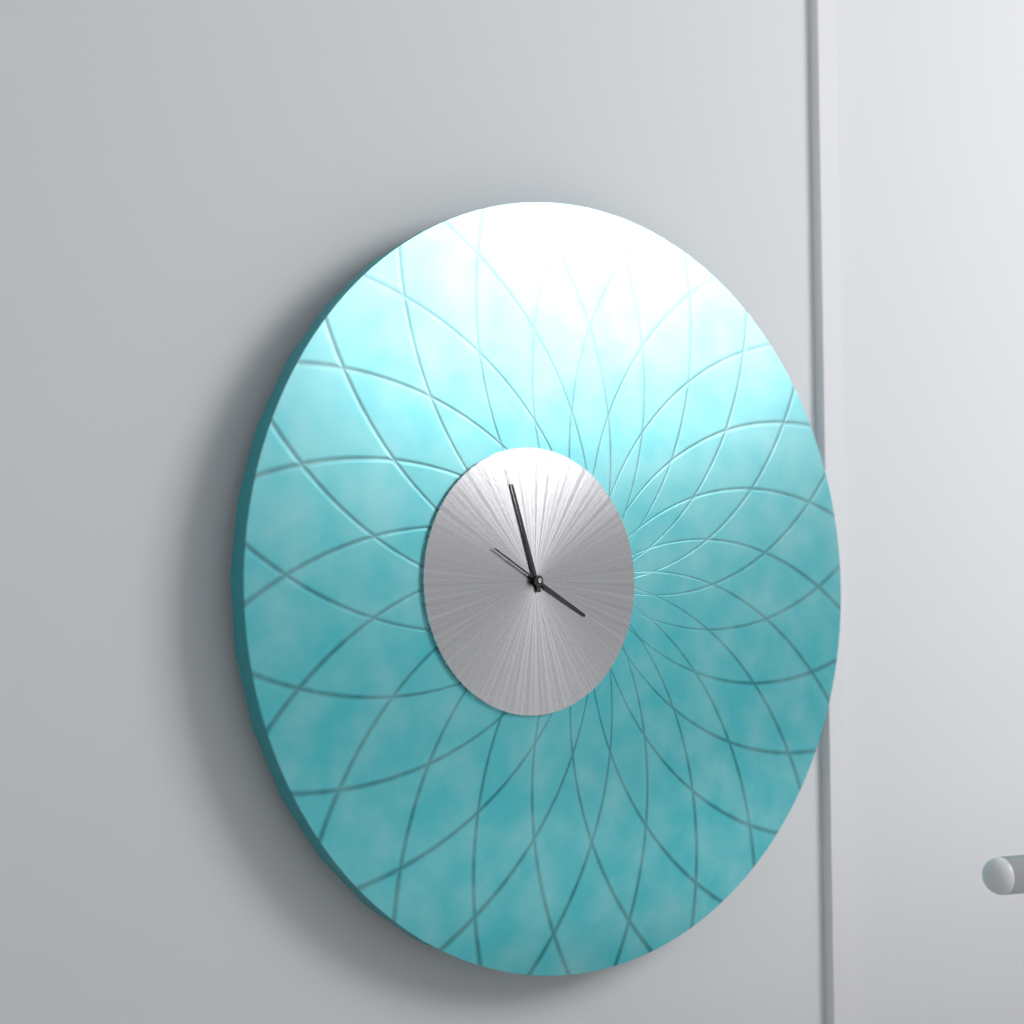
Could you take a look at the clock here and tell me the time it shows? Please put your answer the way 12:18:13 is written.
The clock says 3:57:50
